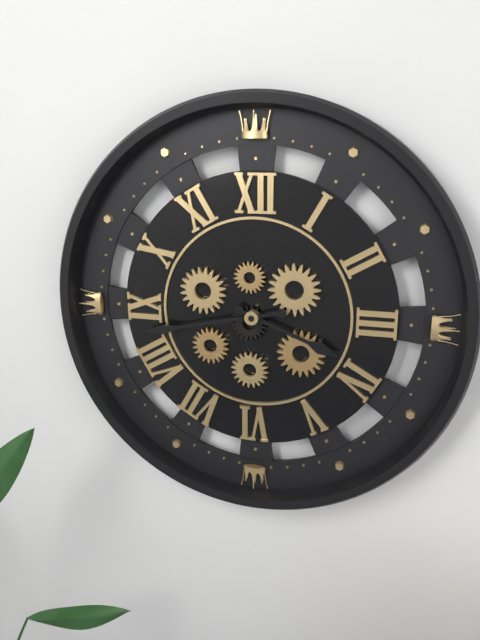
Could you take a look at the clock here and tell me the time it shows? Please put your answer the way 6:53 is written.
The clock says 3:43
